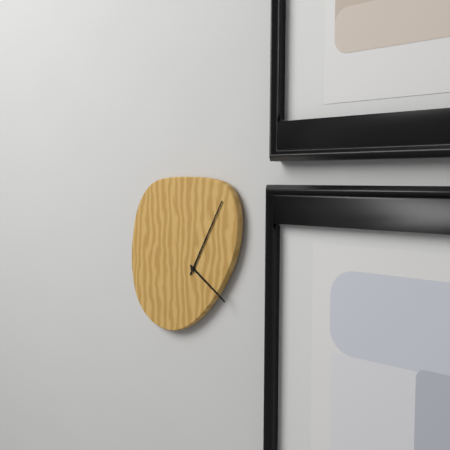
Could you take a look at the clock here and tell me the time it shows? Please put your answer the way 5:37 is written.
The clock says 4:05
